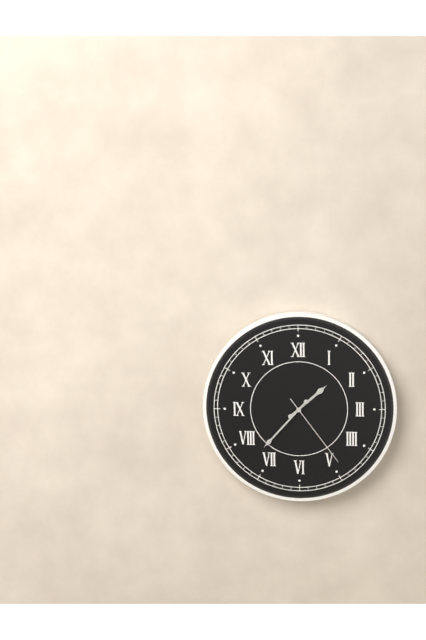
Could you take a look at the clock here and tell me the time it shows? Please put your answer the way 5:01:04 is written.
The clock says 1:37:24
